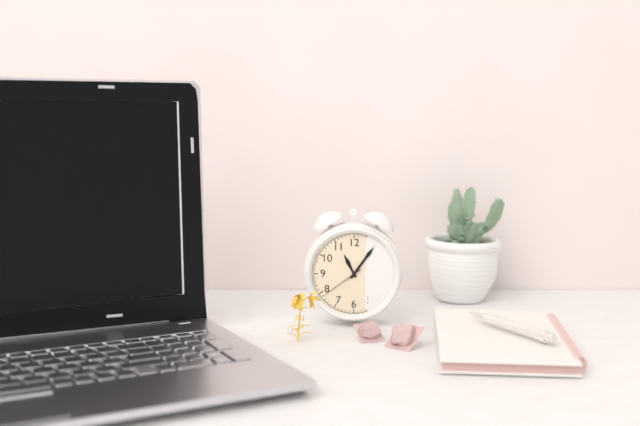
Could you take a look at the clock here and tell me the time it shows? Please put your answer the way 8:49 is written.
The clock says 11:06
